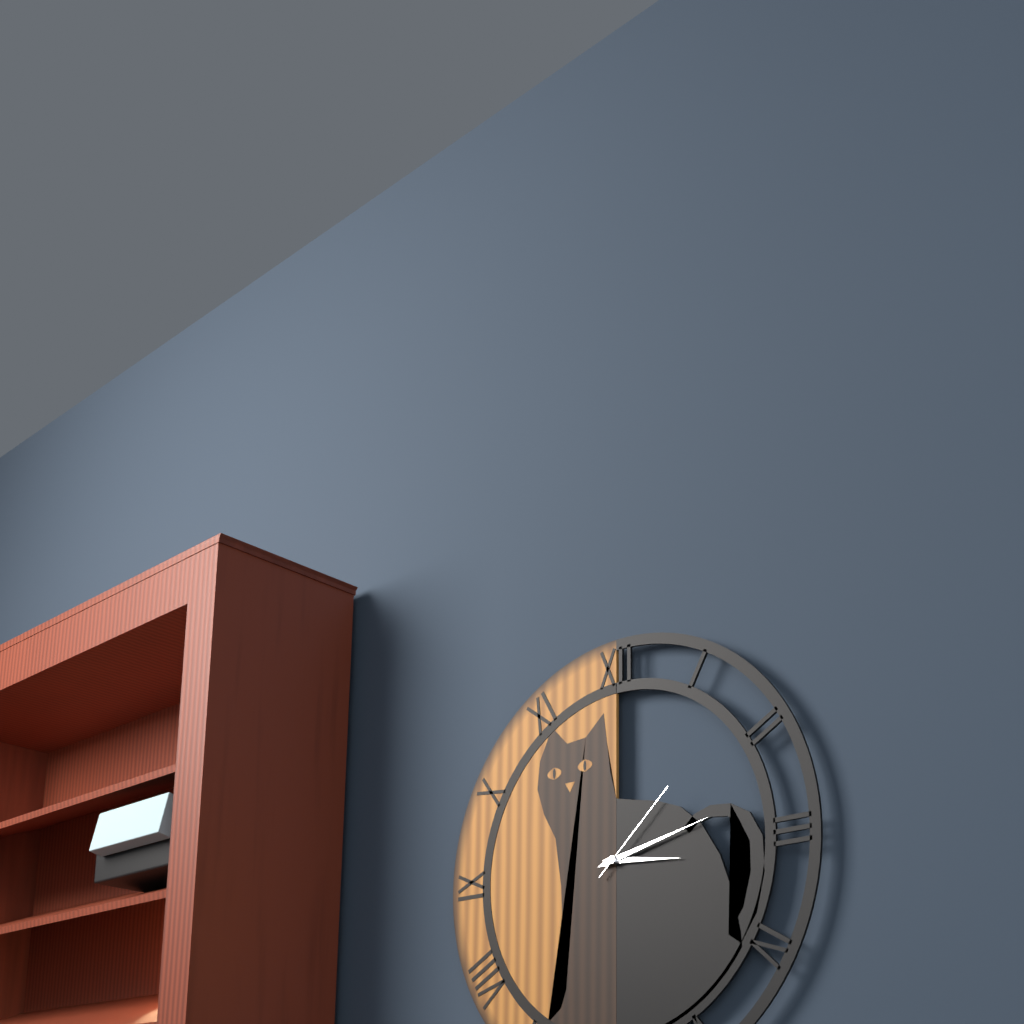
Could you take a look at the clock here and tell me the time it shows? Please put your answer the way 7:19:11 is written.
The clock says 3:13:08
